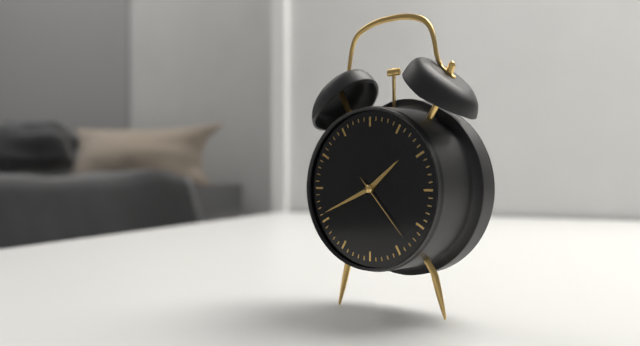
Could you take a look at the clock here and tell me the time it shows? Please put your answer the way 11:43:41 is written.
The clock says 1:41:23
